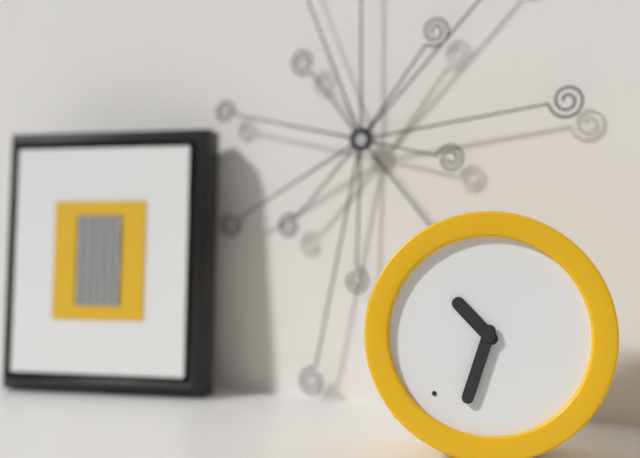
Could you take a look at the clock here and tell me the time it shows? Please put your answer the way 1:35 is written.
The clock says 10:33
